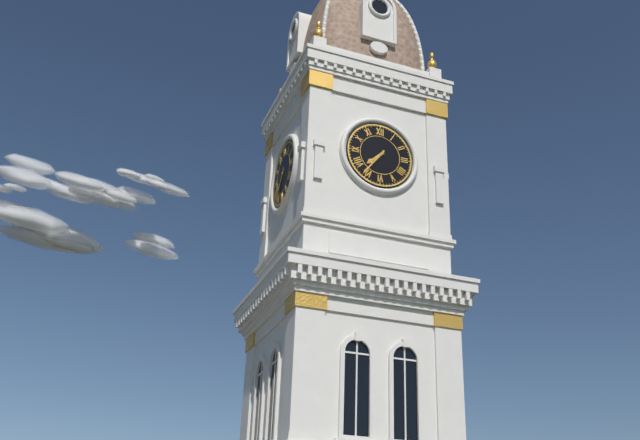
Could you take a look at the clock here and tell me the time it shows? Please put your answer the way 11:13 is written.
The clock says 7:36
